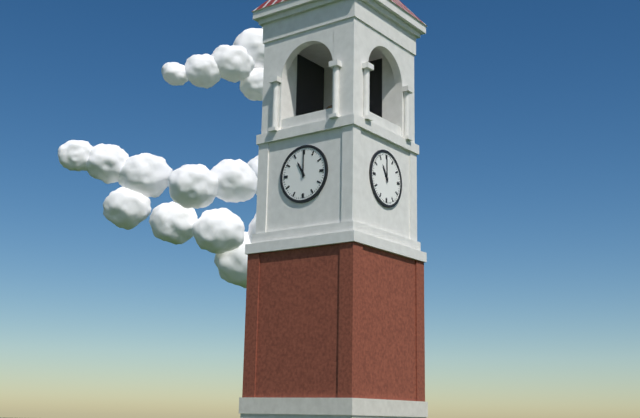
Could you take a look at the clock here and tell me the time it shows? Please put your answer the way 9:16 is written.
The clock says 11:00
